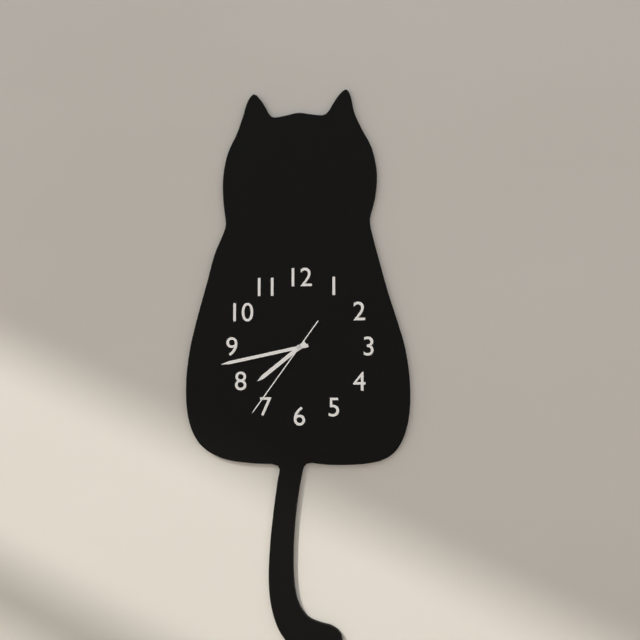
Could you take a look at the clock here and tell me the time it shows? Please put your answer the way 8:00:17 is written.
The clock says 7:43:36
